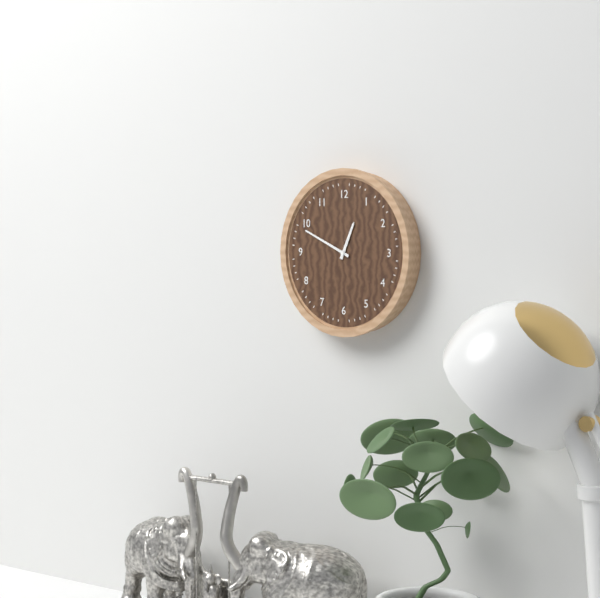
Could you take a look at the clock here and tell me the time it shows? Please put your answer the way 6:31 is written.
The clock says 12:49
